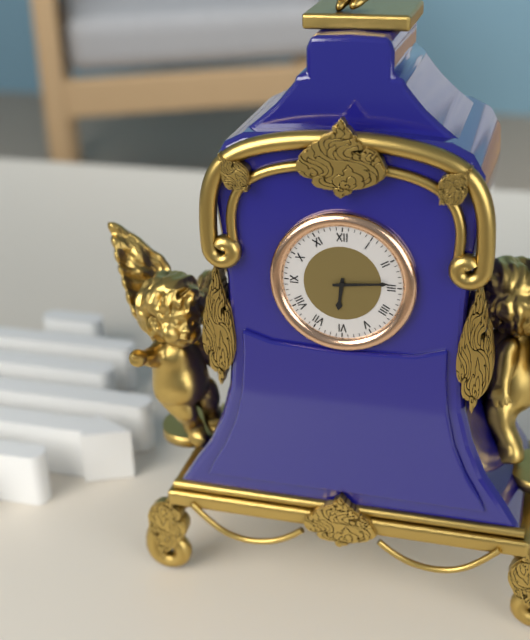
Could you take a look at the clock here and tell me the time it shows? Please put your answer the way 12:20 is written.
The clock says 6:14
